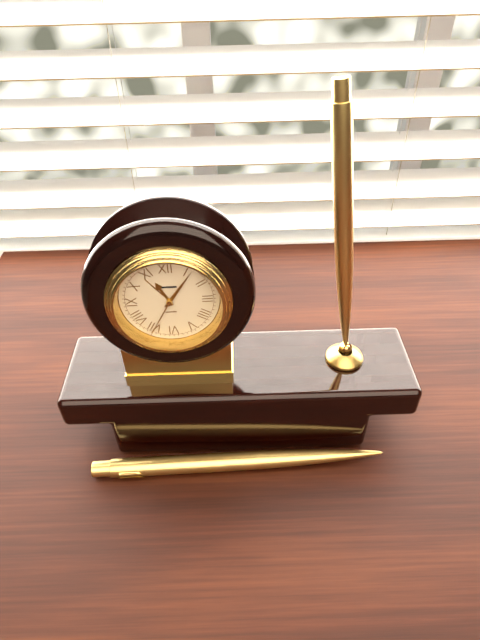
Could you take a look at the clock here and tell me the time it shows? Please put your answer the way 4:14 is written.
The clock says 11:06
